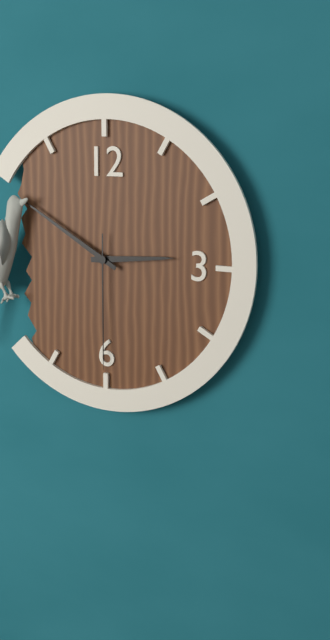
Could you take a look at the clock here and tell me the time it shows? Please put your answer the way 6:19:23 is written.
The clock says 2:50:30
